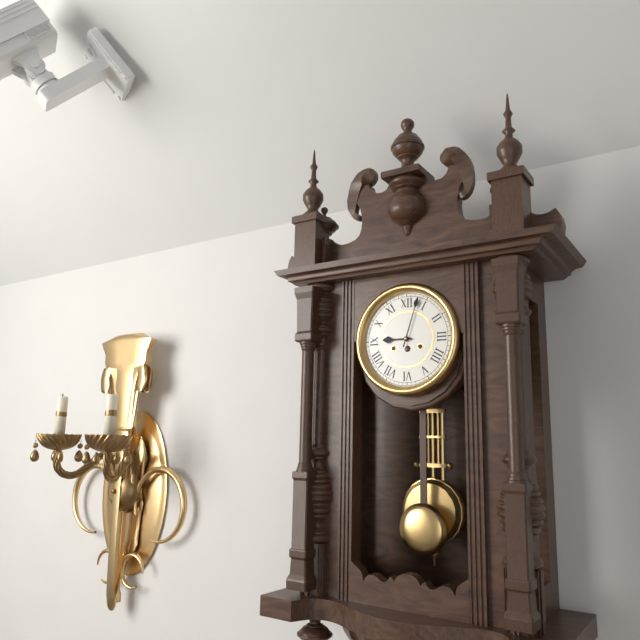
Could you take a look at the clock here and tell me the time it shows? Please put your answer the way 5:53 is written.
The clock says 9:03
